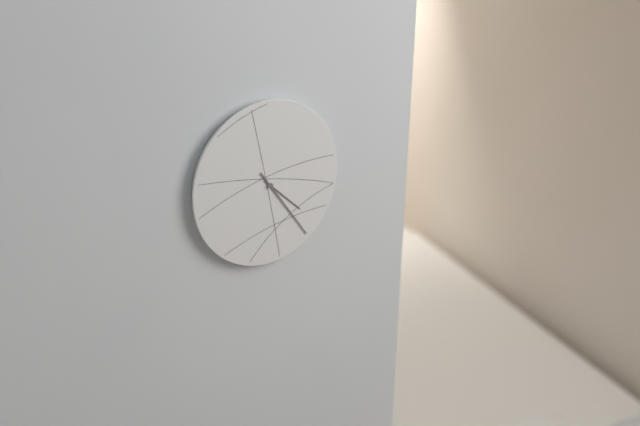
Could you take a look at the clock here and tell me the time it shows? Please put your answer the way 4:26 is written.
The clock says 4:24
